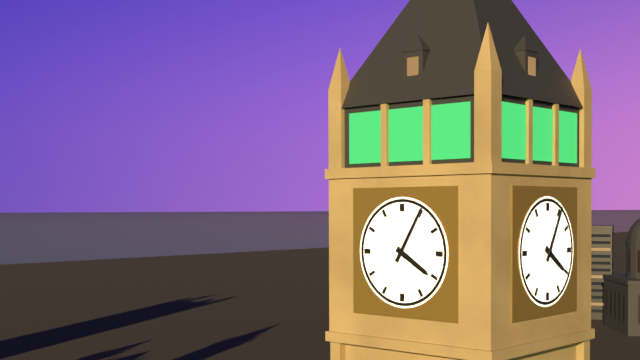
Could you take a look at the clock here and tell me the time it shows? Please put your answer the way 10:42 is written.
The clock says 4:05
